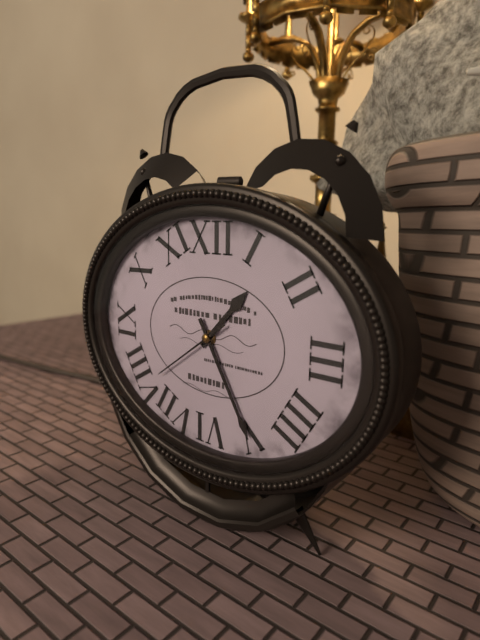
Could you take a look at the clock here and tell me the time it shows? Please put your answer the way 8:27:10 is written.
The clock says 1:25:39
